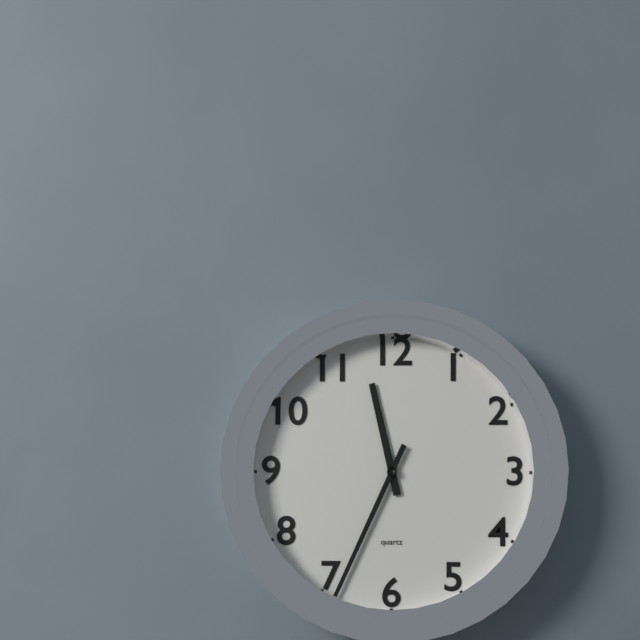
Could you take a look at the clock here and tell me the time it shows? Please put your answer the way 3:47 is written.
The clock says 11:34
